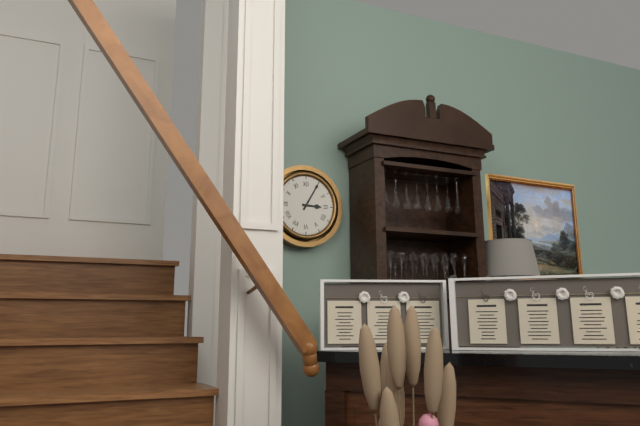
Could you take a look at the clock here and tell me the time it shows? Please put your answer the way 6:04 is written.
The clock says 3:05
